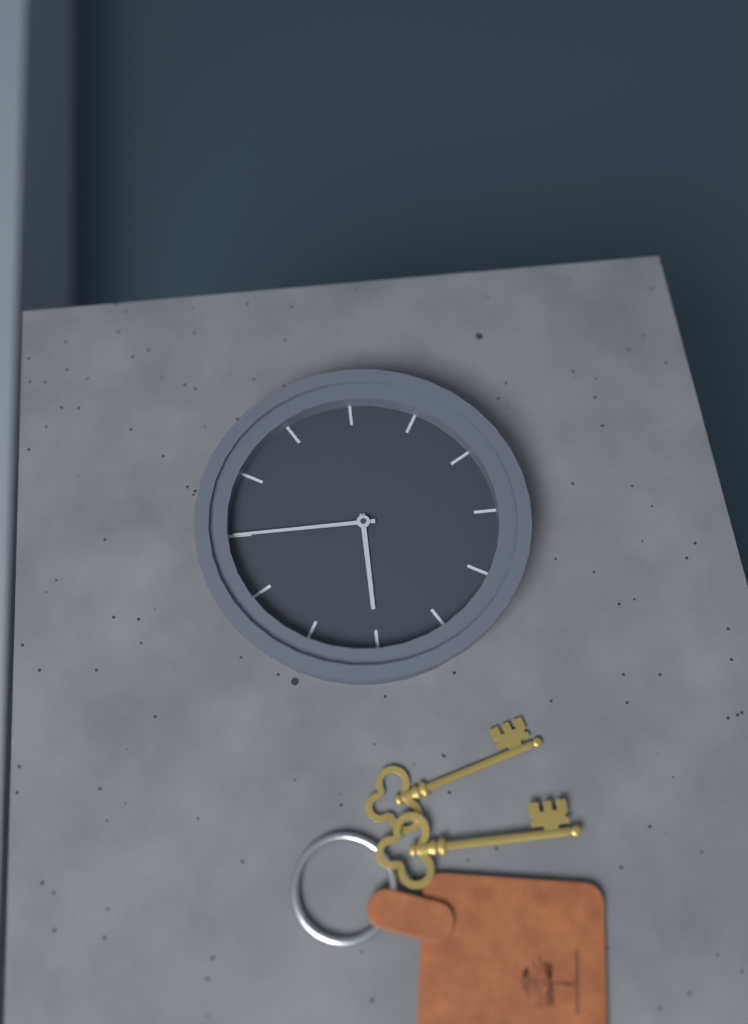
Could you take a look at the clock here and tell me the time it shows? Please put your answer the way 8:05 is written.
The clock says 9:00
